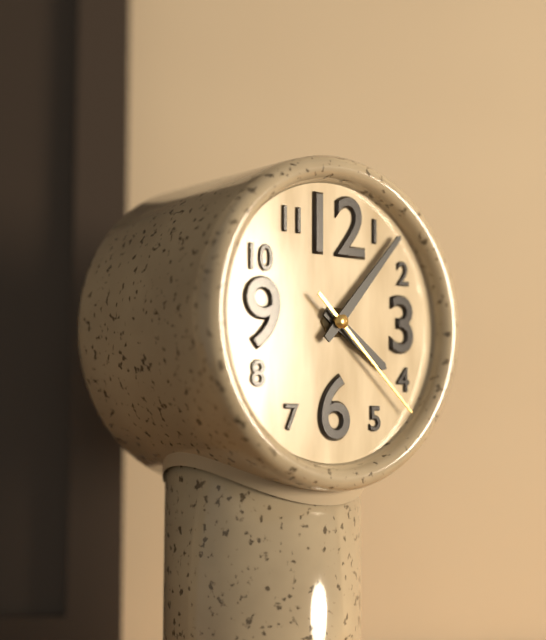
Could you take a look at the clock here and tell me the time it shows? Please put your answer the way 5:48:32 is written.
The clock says 4:07:22
